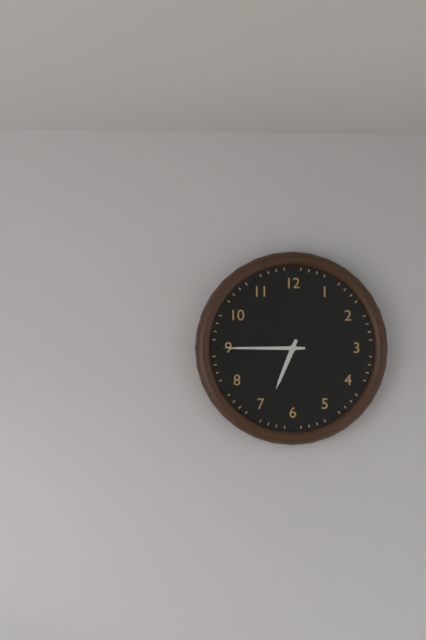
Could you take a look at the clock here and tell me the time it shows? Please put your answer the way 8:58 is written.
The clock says 6:45
